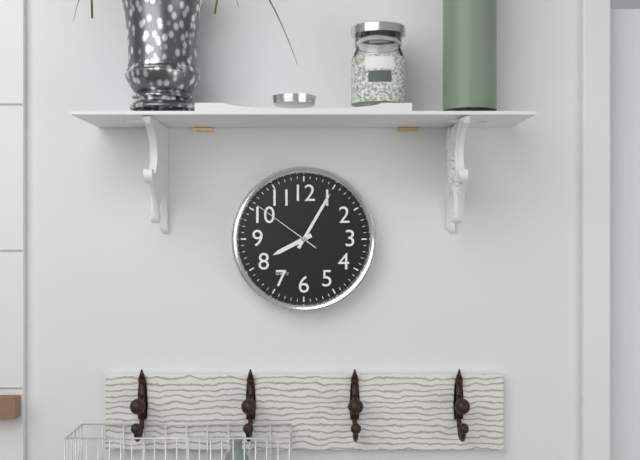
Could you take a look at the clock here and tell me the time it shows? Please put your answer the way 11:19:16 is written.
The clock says 8:05:51
